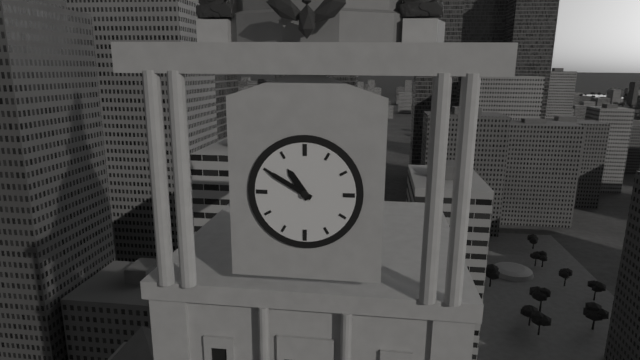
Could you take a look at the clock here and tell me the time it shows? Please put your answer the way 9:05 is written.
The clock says 10:50
